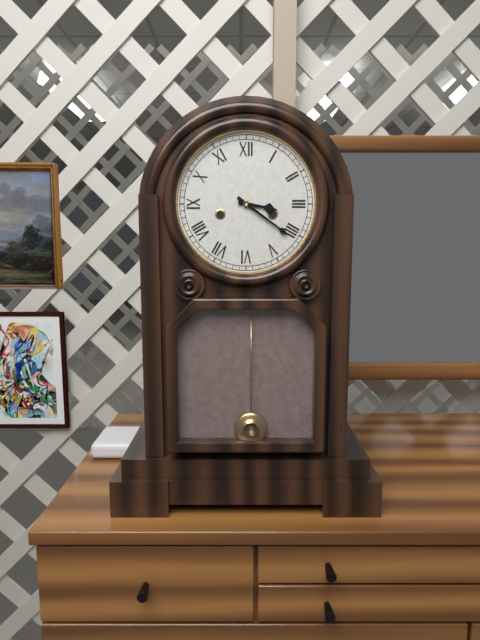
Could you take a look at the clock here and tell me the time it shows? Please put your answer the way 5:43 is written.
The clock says 3:21
